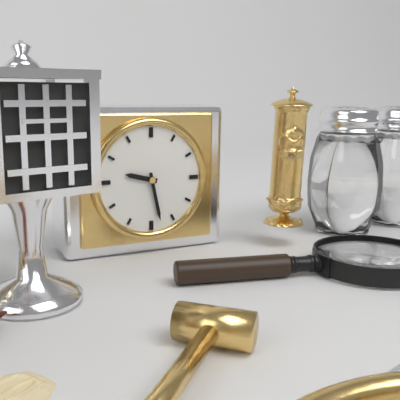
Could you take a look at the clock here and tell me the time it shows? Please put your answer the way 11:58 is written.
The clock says 9:28
